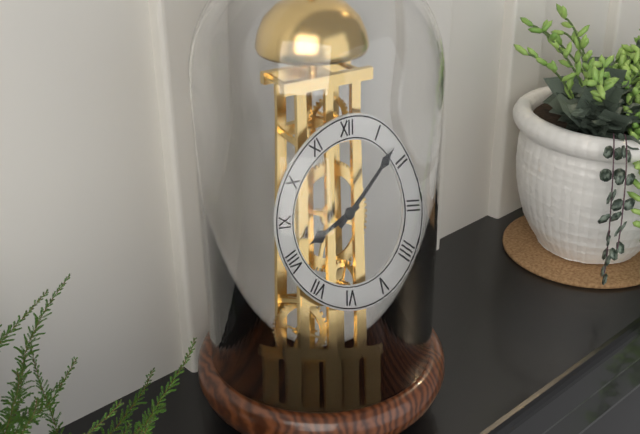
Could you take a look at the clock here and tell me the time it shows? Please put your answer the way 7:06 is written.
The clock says 8:08
